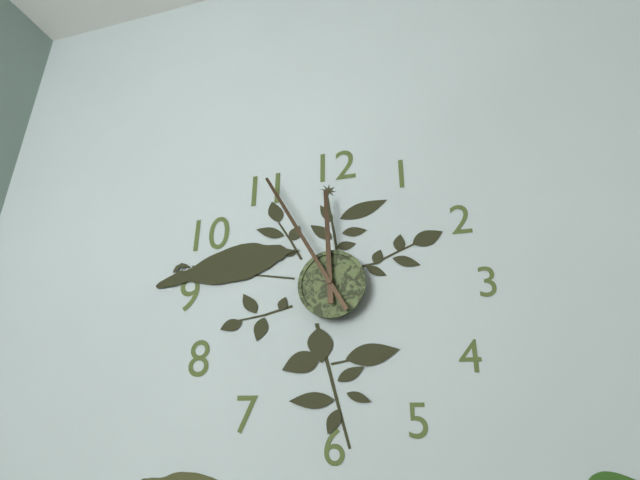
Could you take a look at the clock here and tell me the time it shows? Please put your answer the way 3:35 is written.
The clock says 11:55
